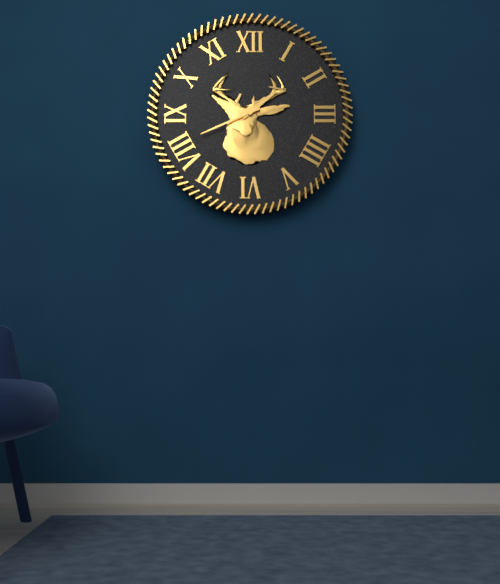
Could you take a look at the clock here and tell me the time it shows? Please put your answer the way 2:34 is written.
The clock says 1:41
